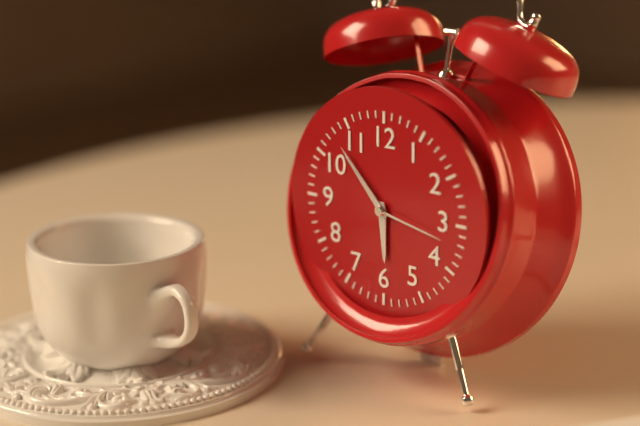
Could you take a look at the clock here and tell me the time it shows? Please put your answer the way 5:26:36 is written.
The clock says 5:53:17
